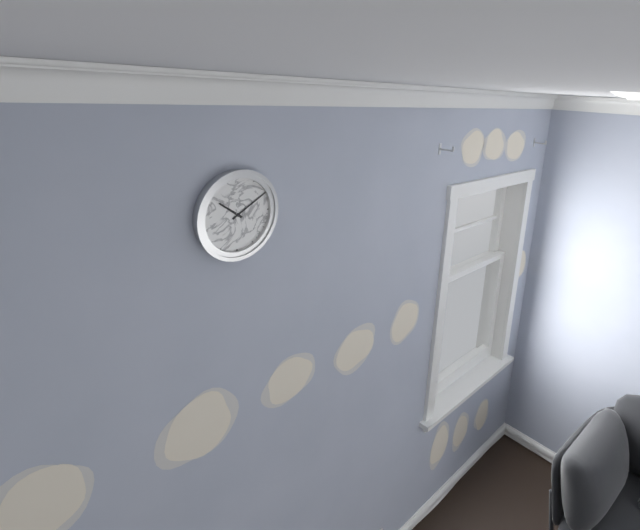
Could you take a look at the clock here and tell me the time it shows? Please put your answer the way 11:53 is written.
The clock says 10:10
